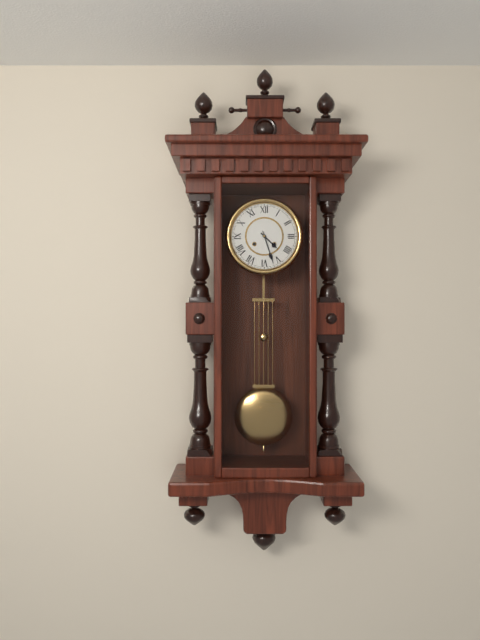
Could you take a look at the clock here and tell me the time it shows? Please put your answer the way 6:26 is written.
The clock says 4:27
